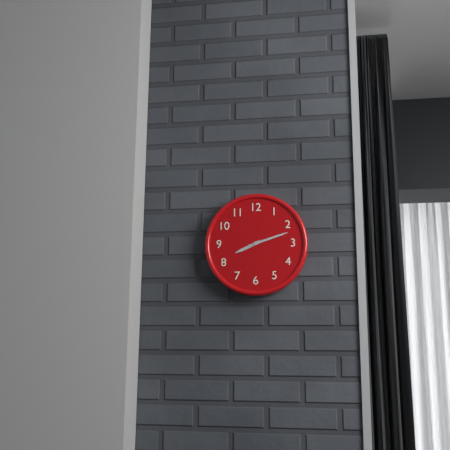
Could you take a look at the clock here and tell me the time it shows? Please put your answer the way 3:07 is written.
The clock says 8:12
